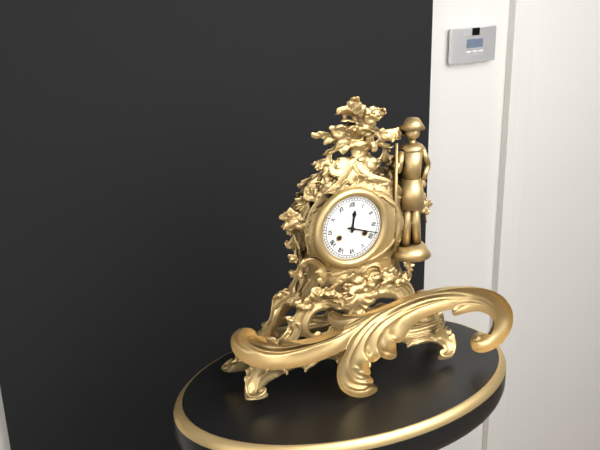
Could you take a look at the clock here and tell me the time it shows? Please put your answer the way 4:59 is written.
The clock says 12:18
